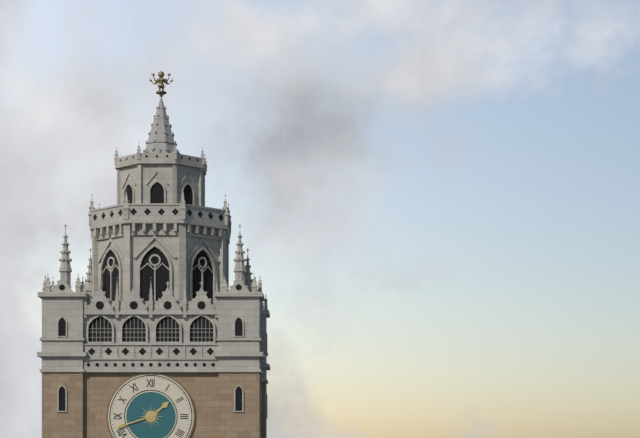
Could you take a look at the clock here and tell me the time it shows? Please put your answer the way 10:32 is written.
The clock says 1:42
